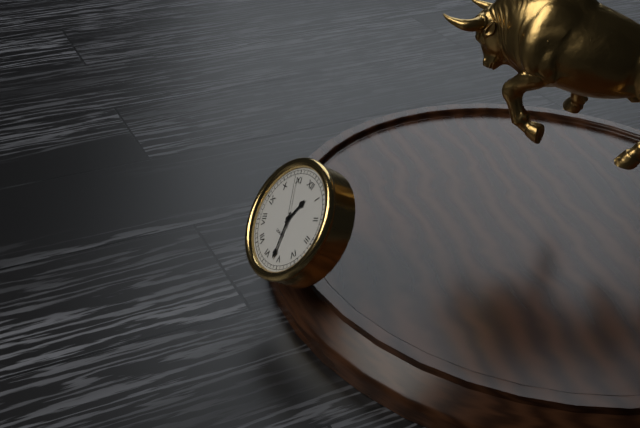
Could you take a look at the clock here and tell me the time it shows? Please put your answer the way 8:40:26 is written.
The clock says 12:27:54
